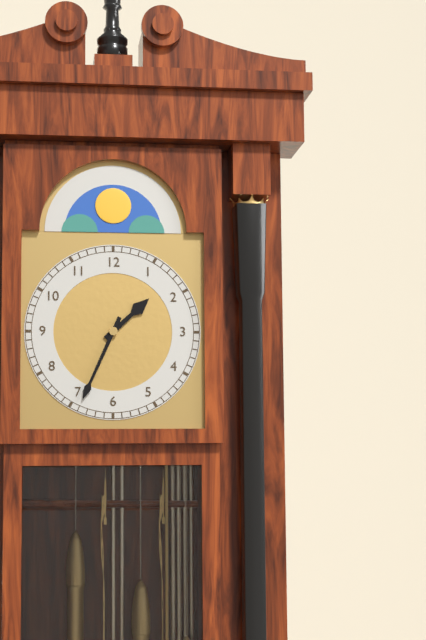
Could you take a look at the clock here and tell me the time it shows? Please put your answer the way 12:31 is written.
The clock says 1:34
